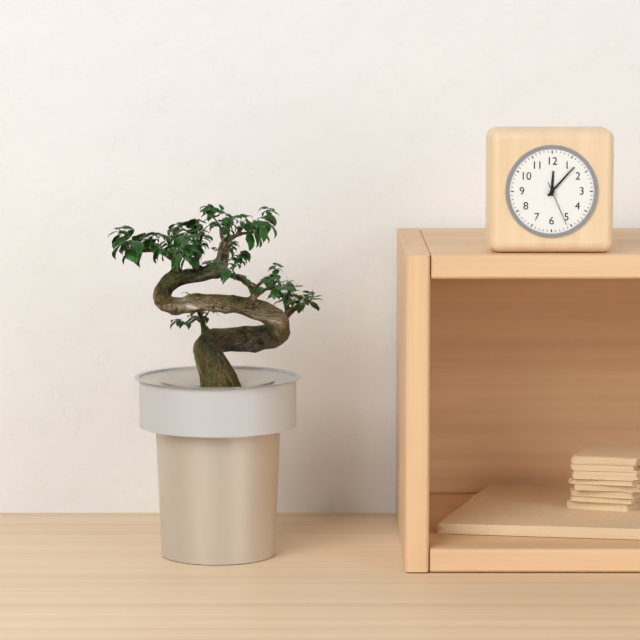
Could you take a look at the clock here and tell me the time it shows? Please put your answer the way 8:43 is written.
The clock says 12:07
